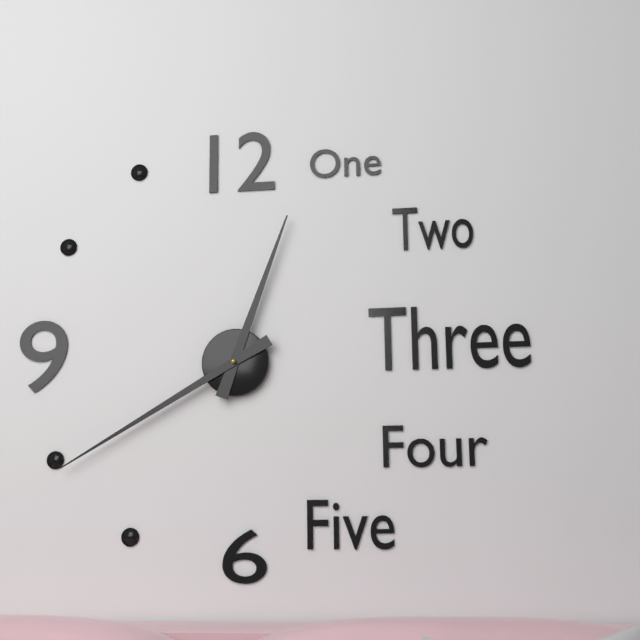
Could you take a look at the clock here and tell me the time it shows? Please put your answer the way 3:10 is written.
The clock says 12:40
